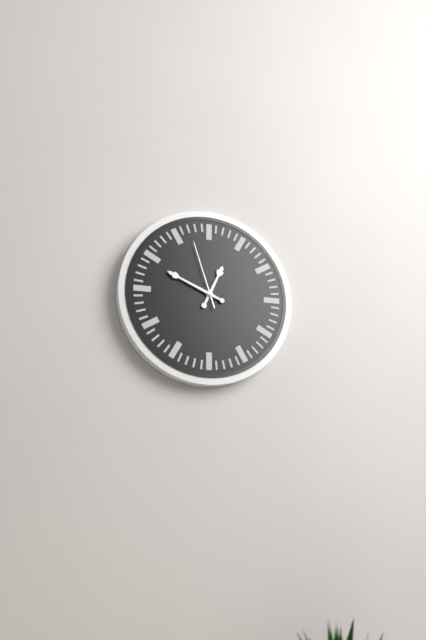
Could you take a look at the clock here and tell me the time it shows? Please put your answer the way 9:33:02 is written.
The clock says 12:49:57
